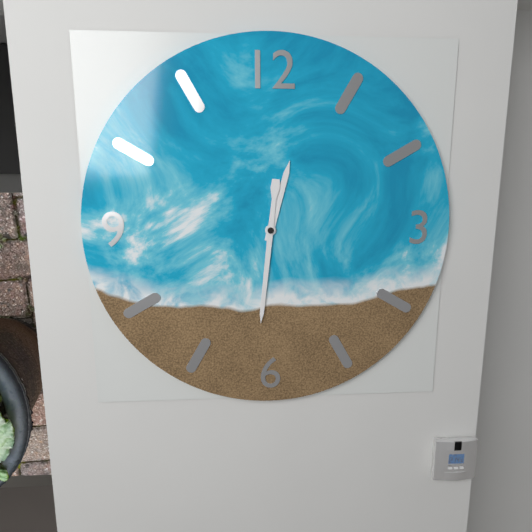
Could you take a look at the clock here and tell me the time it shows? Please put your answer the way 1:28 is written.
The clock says 12:31
